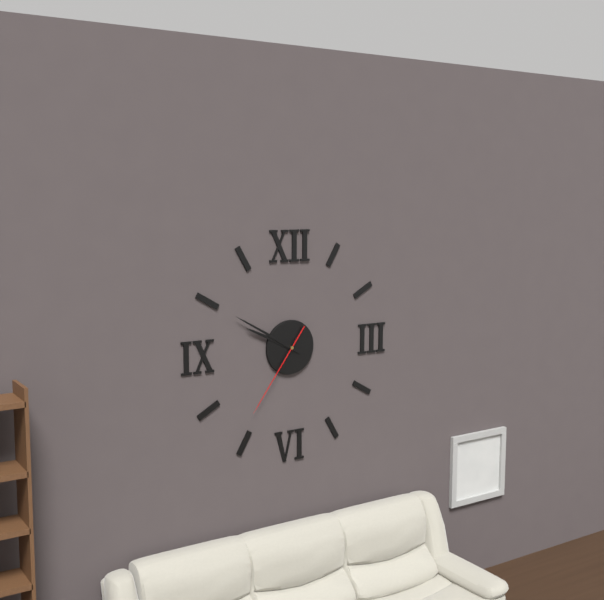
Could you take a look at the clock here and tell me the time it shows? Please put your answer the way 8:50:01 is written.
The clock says 9:50:36
